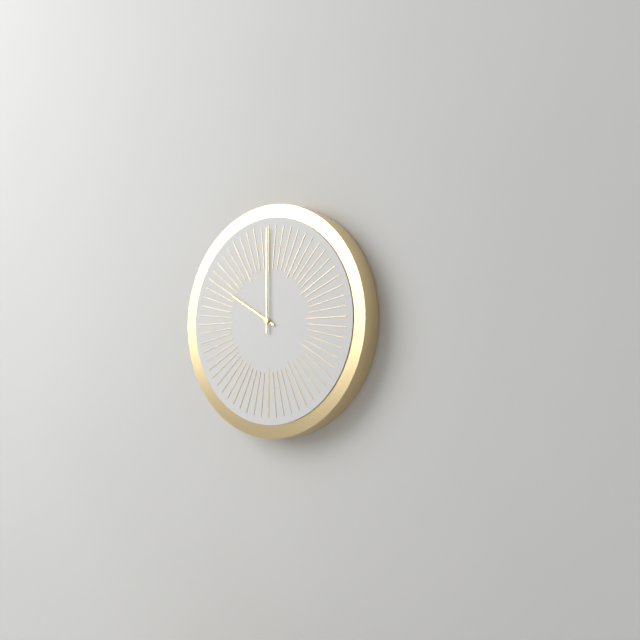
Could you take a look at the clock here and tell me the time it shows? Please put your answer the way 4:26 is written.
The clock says 10:00
